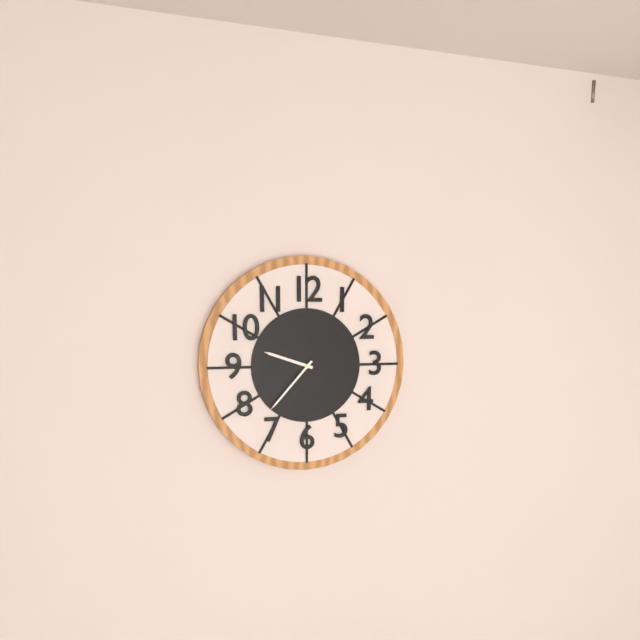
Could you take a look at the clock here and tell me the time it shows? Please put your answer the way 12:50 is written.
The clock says 9:37
